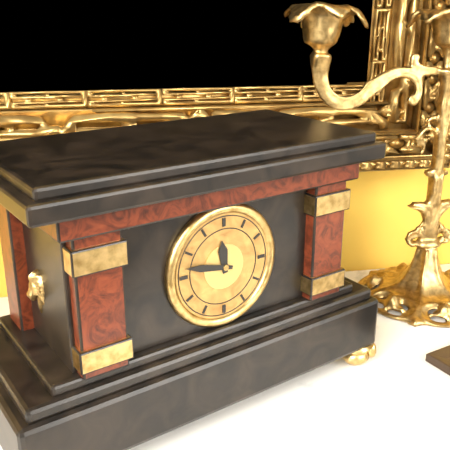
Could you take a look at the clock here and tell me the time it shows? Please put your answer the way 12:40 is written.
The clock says 11:47
